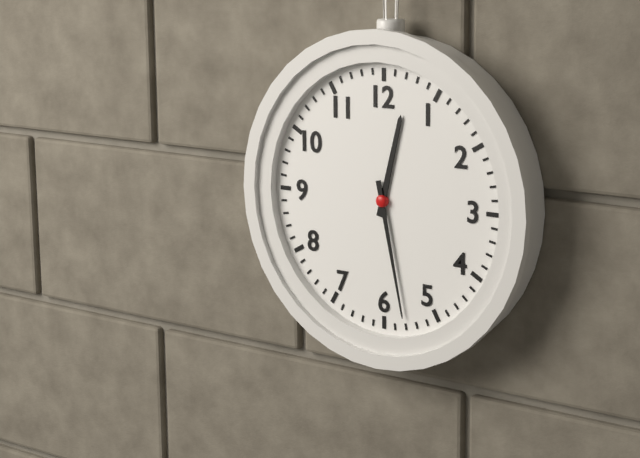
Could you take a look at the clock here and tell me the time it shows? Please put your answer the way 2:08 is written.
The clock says 12:28
